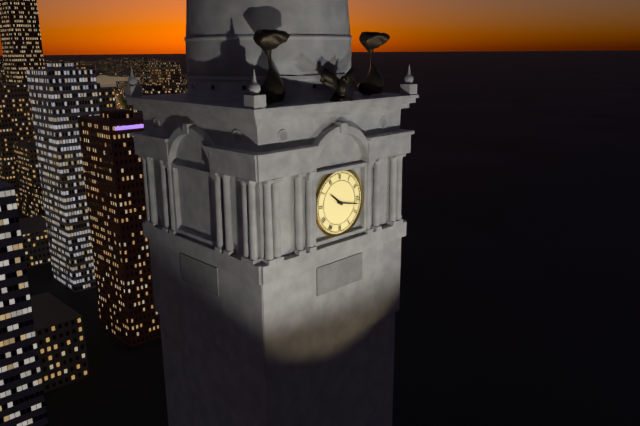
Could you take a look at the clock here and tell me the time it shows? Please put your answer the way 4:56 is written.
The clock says 10:17
